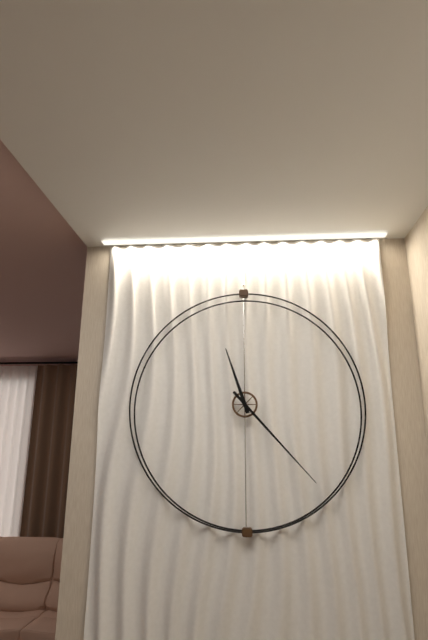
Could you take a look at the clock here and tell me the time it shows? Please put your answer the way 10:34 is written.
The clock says 11:23
